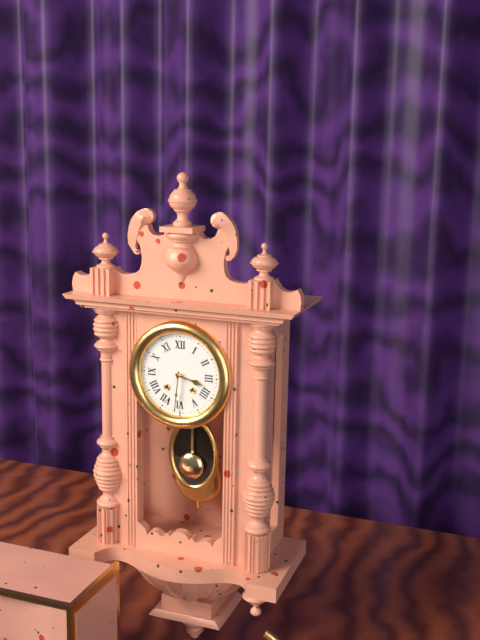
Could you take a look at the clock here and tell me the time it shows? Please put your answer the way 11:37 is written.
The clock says 3:31
